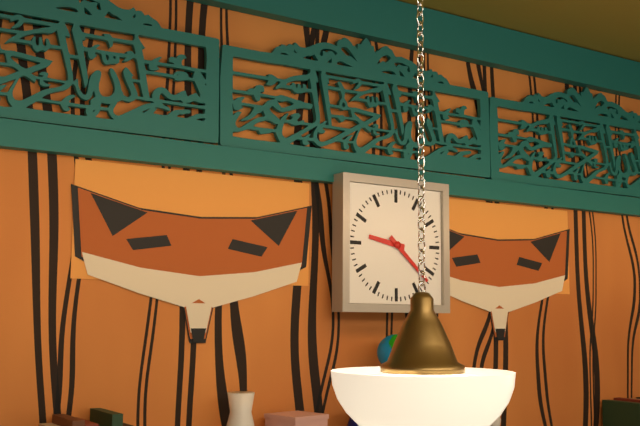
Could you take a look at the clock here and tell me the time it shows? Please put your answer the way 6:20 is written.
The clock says 9:22
